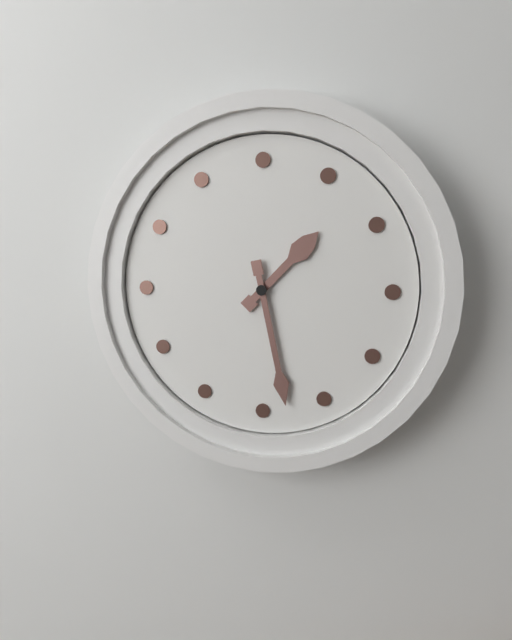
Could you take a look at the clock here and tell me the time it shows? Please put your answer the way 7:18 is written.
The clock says 1:28
